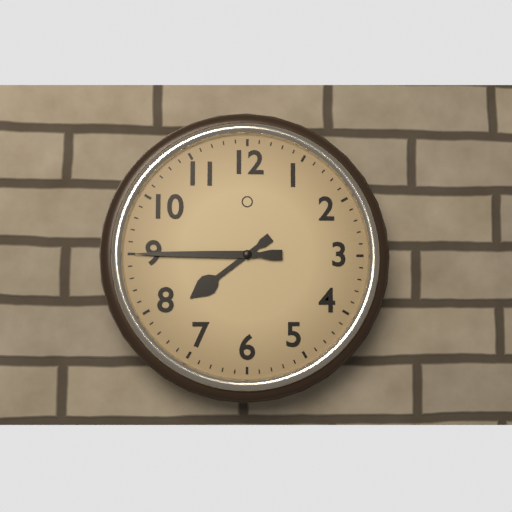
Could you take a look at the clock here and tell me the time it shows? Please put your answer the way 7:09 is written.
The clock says 7:45
